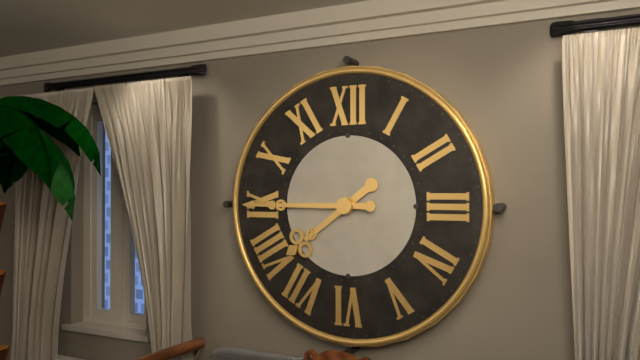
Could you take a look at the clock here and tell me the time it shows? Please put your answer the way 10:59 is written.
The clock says 7:45
